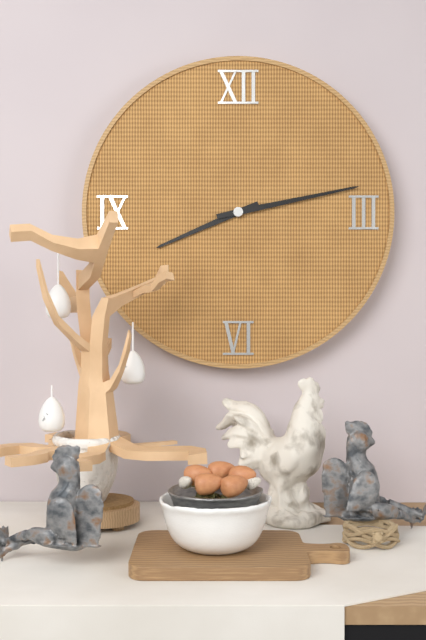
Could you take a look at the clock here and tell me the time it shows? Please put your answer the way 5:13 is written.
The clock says 8:13
